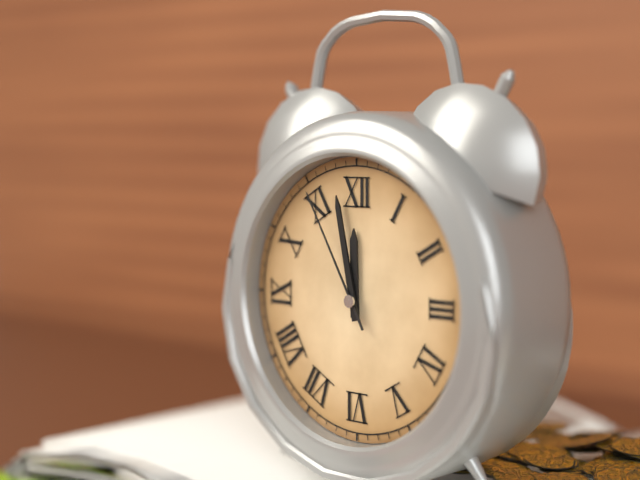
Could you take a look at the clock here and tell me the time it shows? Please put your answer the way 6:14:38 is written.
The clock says 11:58:55
